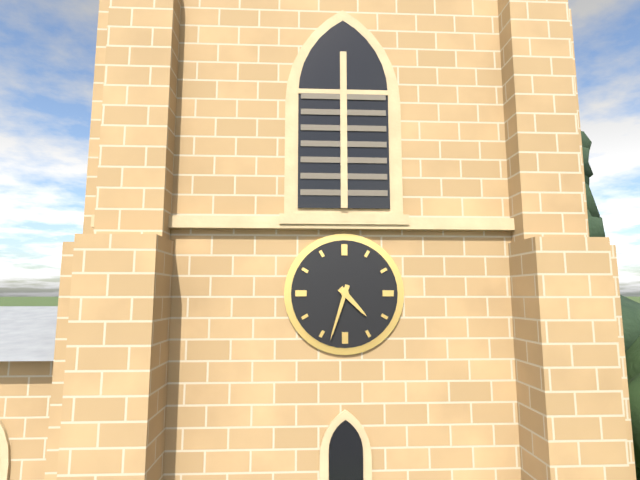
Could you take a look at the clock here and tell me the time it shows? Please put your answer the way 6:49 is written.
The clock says 4:33
